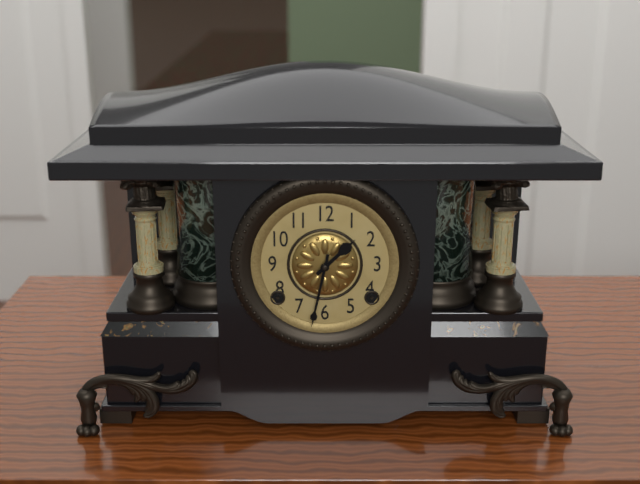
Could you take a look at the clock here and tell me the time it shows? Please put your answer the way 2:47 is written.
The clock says 1:32
